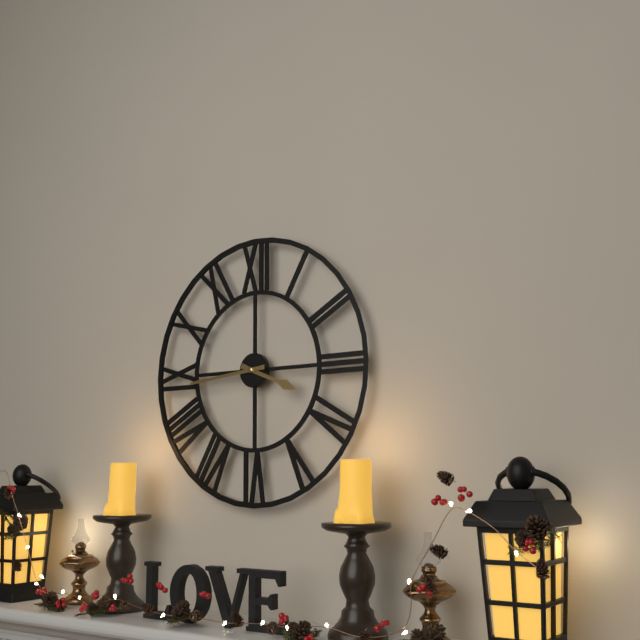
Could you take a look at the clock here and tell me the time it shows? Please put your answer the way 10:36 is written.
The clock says 3:44
